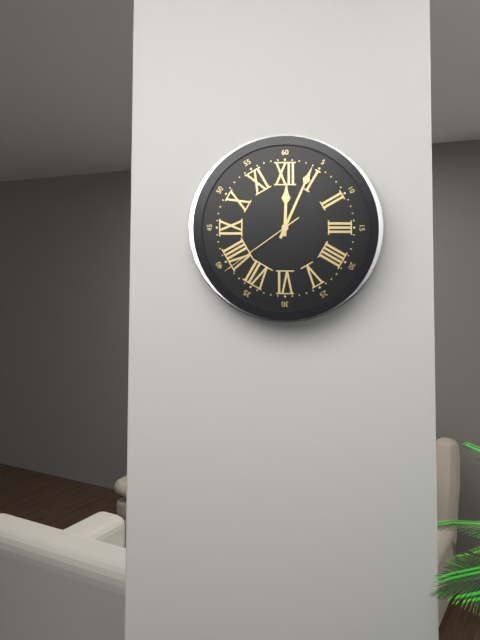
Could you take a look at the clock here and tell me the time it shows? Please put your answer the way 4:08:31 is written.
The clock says 12:04:39
